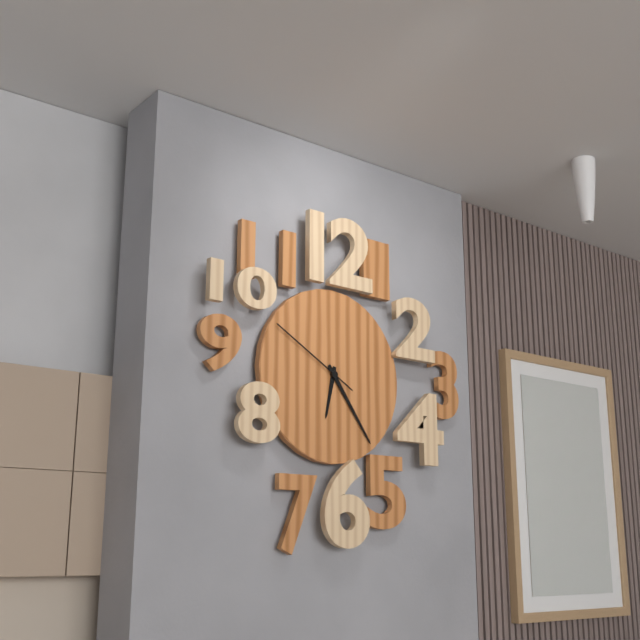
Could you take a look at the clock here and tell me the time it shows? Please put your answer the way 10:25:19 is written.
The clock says 6:24:50
